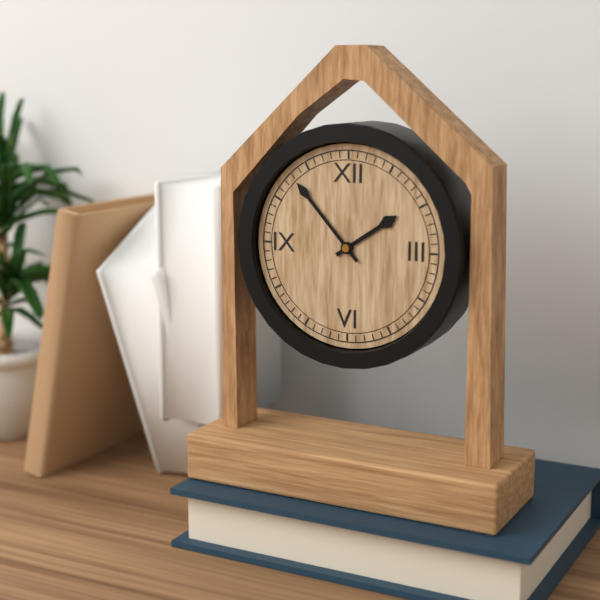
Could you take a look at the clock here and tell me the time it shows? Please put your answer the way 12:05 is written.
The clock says 1:53
